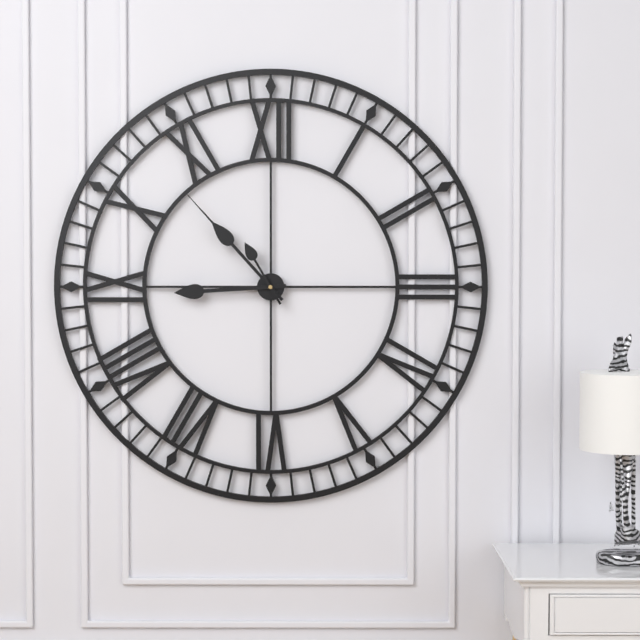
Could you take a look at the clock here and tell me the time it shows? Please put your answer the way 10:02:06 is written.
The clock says 8:53:55
